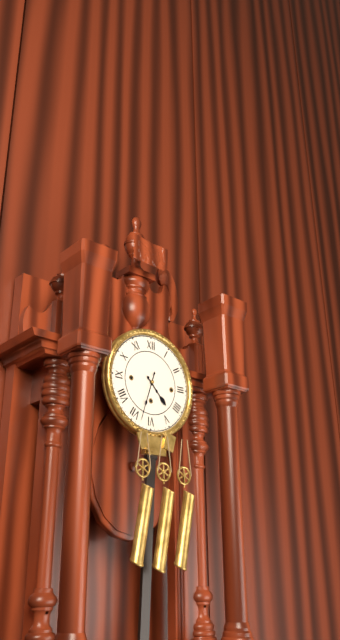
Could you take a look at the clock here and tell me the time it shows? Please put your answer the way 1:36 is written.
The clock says 4:33
